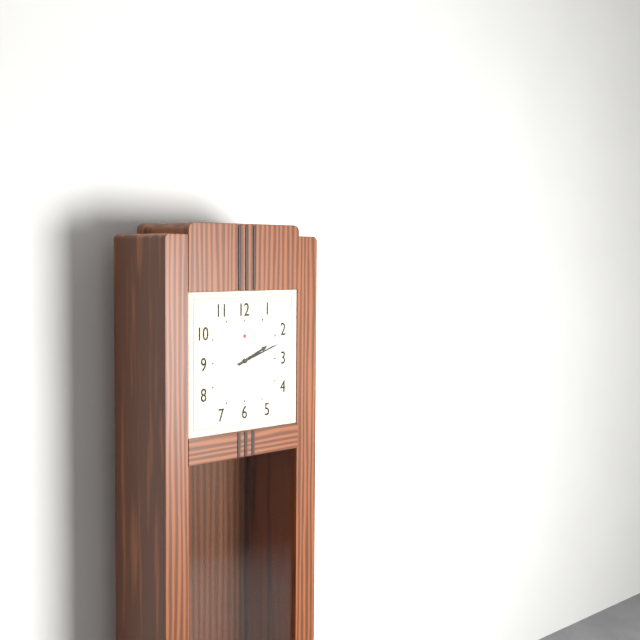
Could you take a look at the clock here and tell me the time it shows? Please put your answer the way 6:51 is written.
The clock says 2:12
